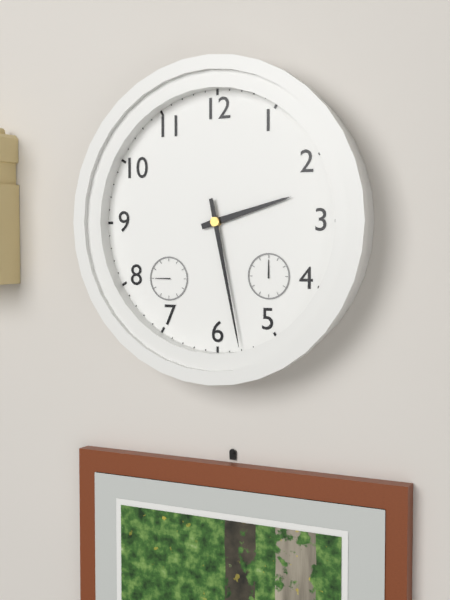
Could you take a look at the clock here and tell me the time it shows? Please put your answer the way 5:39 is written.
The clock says 2:28
